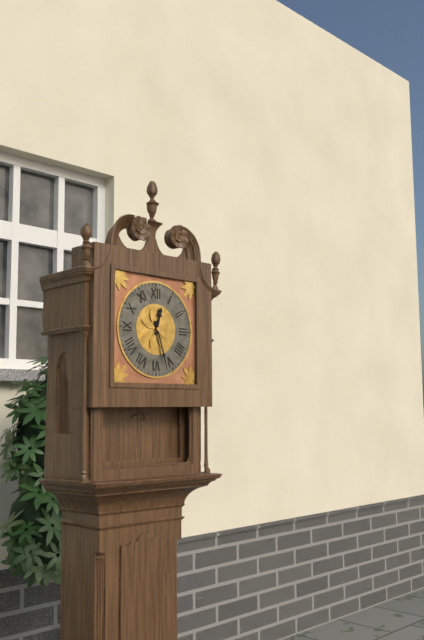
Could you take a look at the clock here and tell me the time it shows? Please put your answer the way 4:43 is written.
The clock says 12:27
